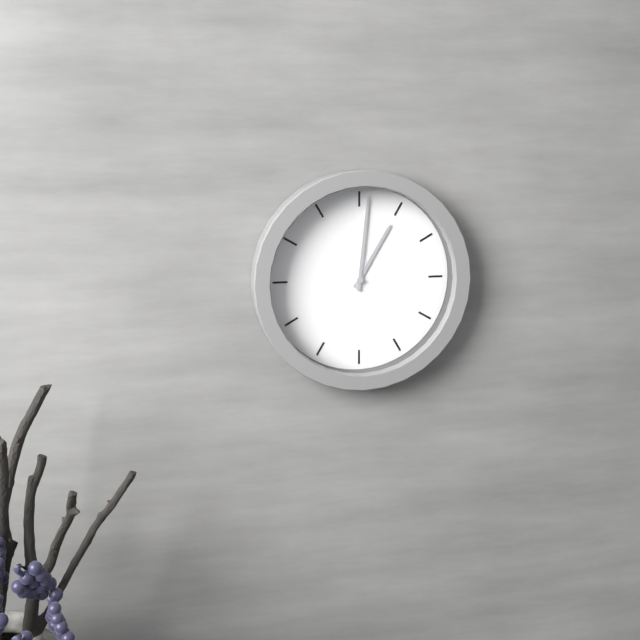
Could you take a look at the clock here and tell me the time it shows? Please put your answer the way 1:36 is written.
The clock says 1:01
